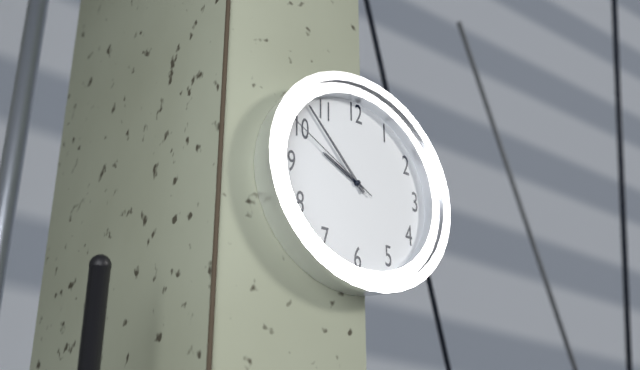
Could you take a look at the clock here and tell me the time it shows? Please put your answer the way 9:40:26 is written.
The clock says 9:53:50
